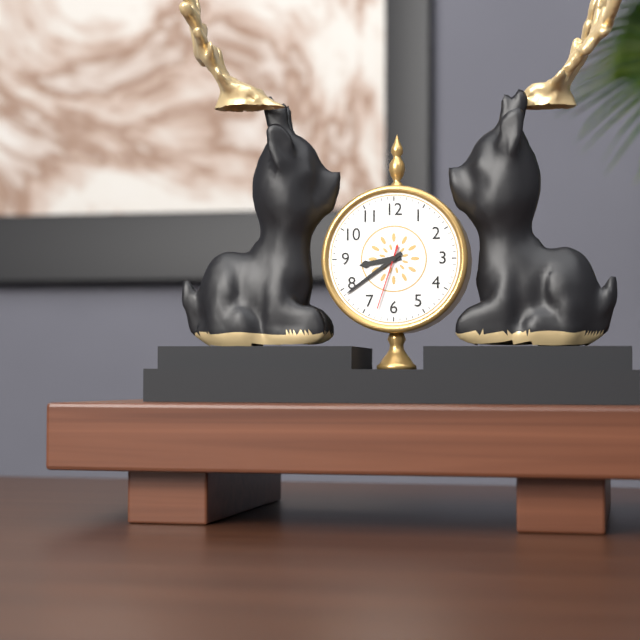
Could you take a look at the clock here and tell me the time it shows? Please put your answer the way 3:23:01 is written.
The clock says 8:39:33
